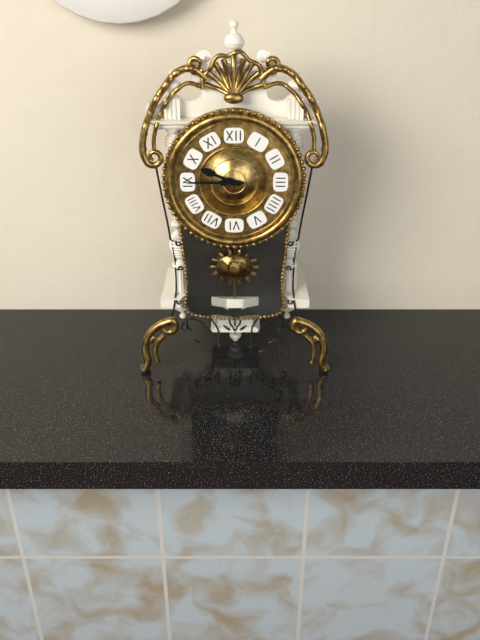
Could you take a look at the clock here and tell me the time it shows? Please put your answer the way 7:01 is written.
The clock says 9:45
